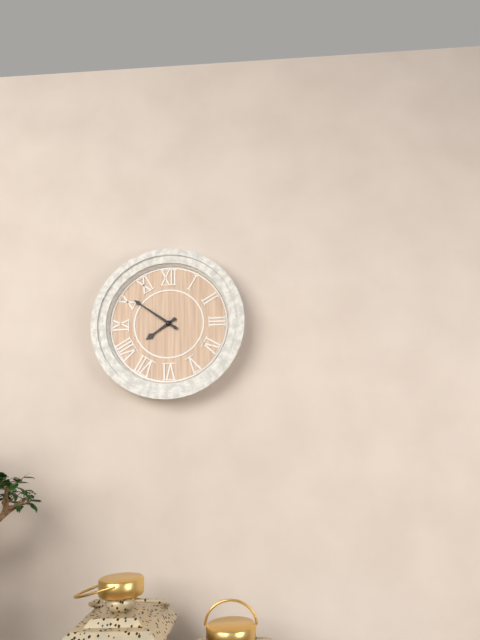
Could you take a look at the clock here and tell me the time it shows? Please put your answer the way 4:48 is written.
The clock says 7:51
